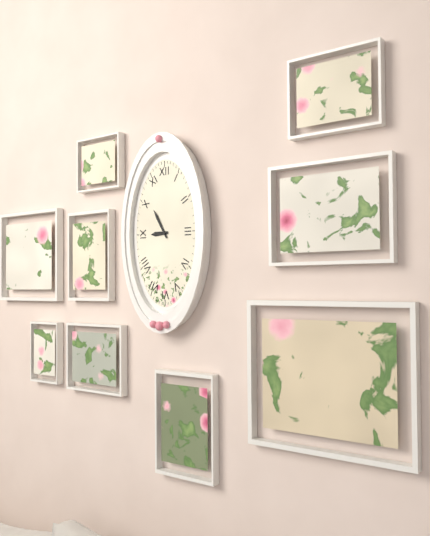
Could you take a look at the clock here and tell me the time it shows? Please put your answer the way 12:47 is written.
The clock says 8:55
